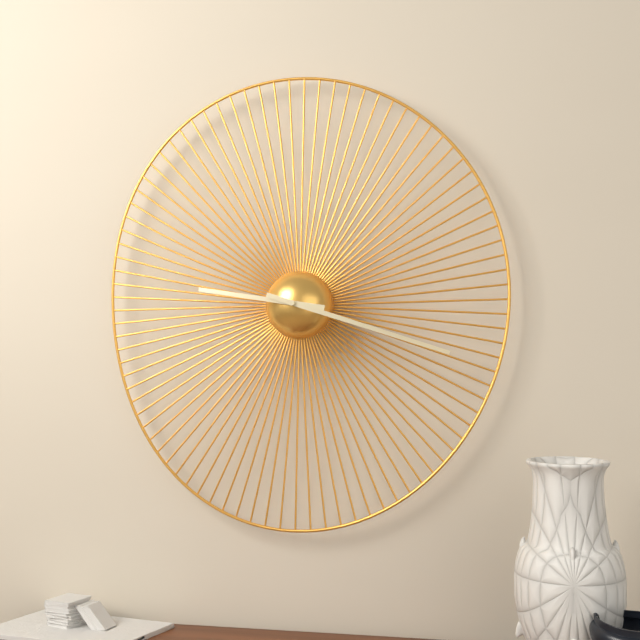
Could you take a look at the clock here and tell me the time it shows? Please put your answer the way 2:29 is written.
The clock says 9:18
